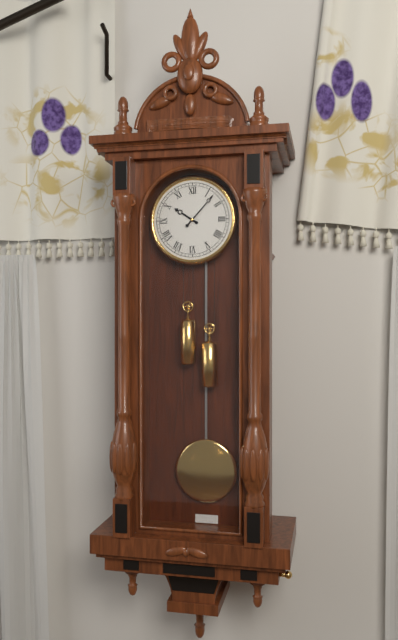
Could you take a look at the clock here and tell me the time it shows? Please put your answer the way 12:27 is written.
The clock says 10:07
